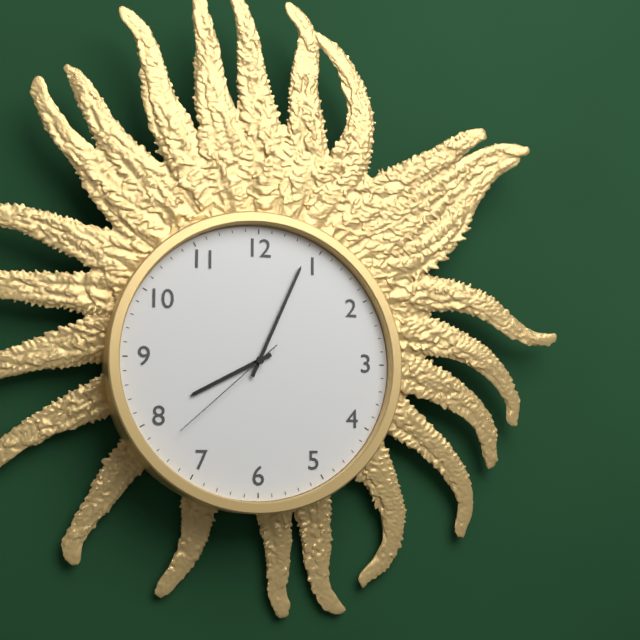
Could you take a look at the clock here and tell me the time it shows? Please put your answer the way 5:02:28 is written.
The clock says 8:04:38
